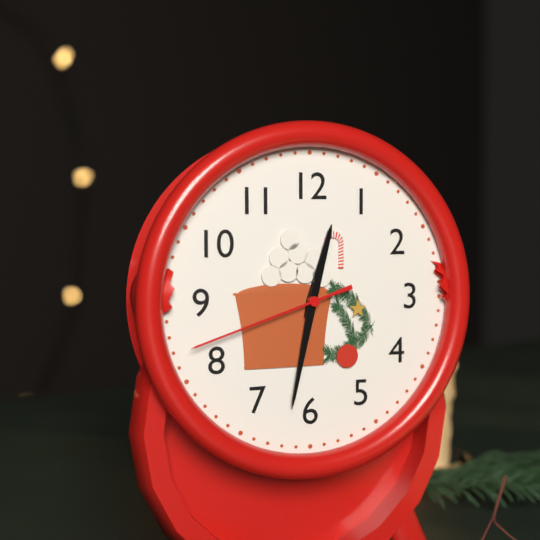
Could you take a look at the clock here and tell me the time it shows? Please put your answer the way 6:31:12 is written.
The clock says 12:32:42
